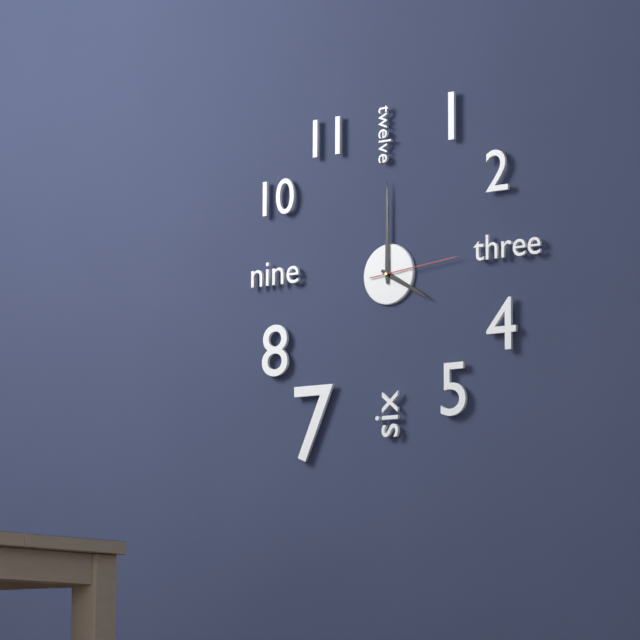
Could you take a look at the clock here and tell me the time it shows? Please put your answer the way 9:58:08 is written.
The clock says 4:00:14
